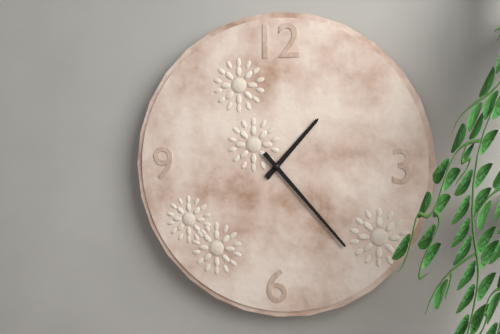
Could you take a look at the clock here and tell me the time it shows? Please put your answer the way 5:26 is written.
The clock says 1:23
